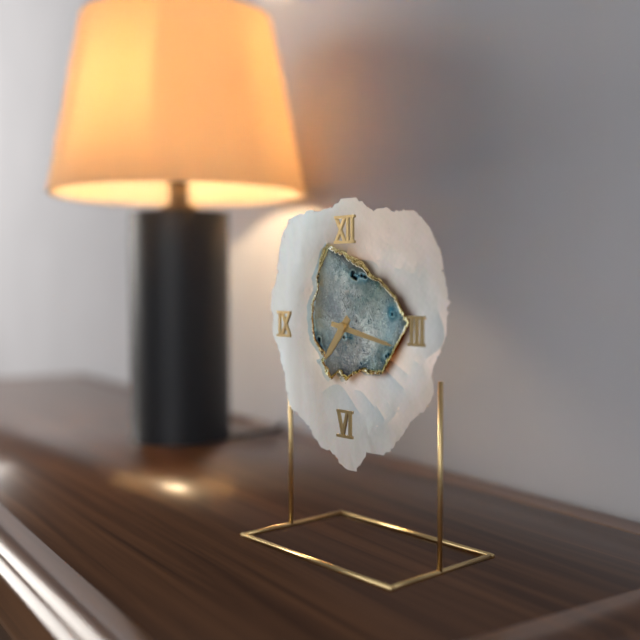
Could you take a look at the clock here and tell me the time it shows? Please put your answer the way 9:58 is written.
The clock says 7:17
